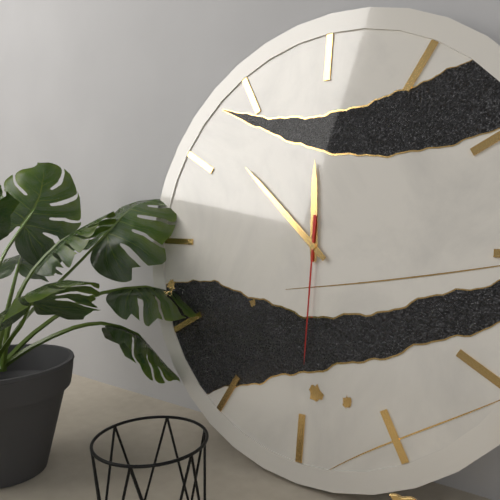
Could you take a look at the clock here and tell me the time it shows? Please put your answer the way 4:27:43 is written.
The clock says 11:52:30
